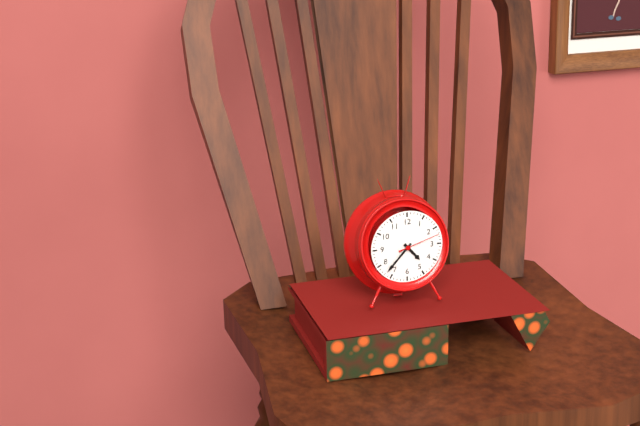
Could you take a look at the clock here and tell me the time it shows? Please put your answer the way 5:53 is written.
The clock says 4:37
